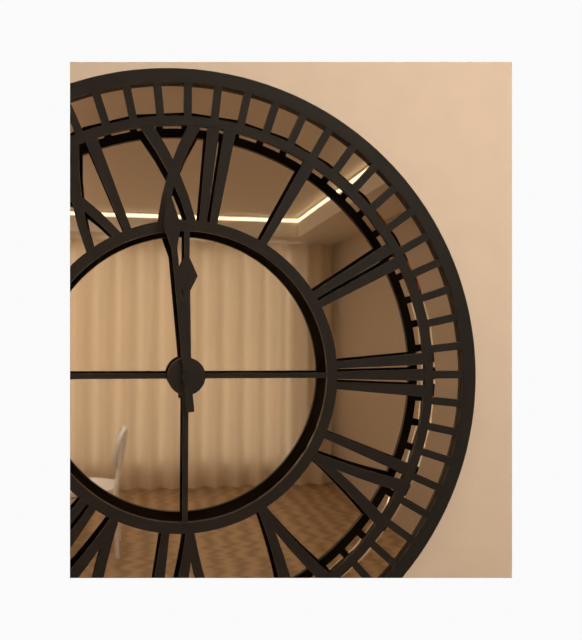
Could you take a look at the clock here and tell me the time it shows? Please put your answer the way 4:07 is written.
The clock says 11:59
